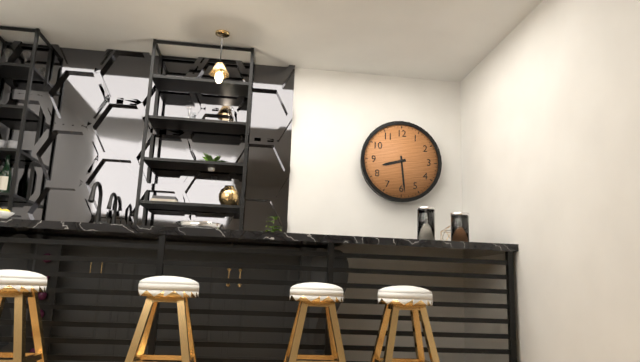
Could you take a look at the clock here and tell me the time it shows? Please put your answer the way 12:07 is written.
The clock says 8:29
